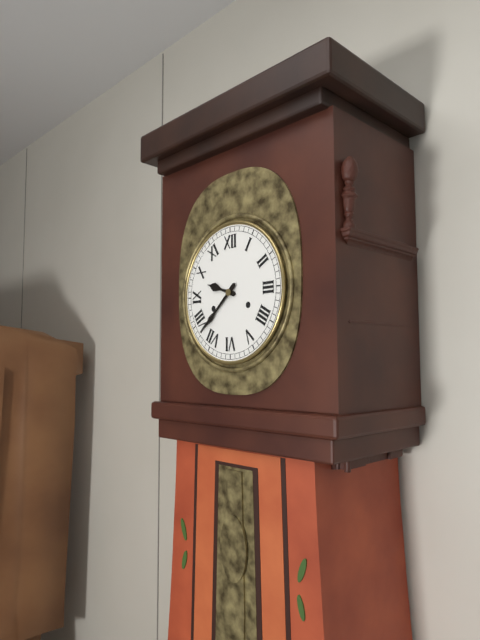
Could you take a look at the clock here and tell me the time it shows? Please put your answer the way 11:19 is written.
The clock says 9:38
